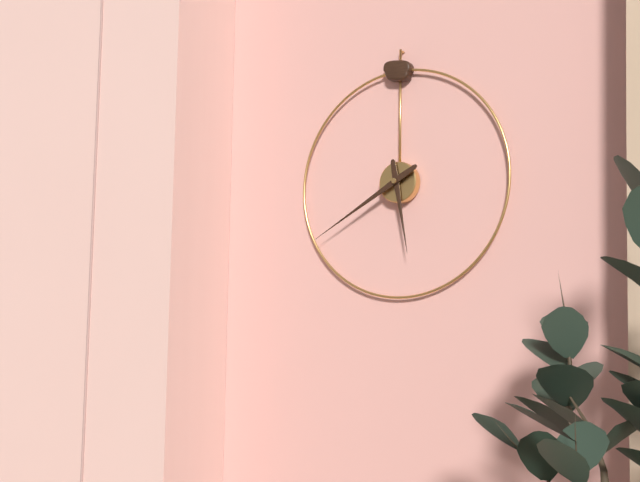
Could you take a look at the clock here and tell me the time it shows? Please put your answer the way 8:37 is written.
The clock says 5:40
